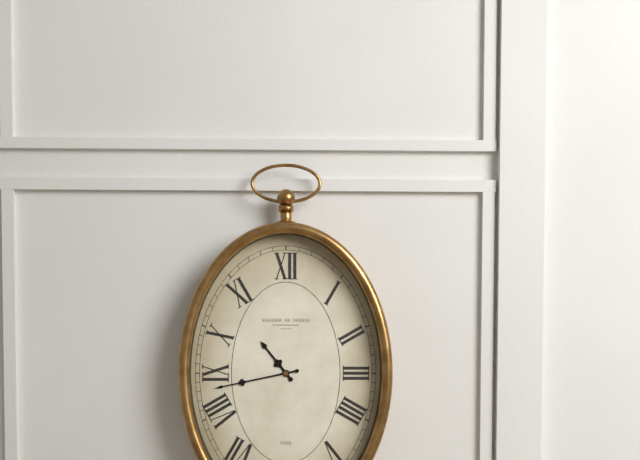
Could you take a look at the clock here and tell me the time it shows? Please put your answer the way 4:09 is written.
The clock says 10:43
